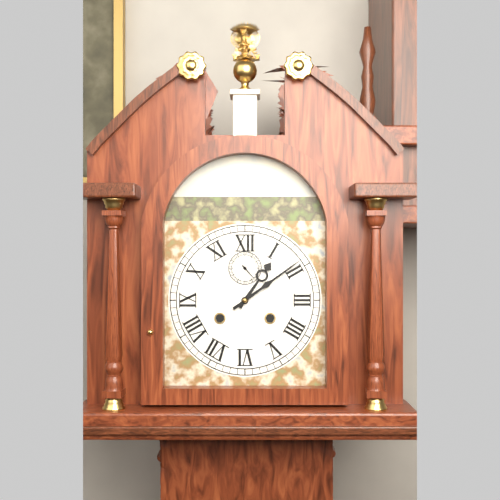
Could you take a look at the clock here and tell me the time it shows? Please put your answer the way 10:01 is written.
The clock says 1:09
